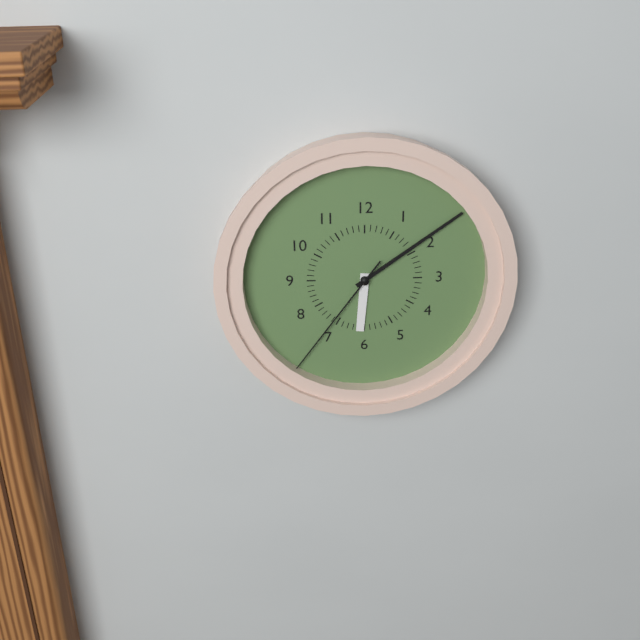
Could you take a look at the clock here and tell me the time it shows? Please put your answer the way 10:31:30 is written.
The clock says 6:09:36
